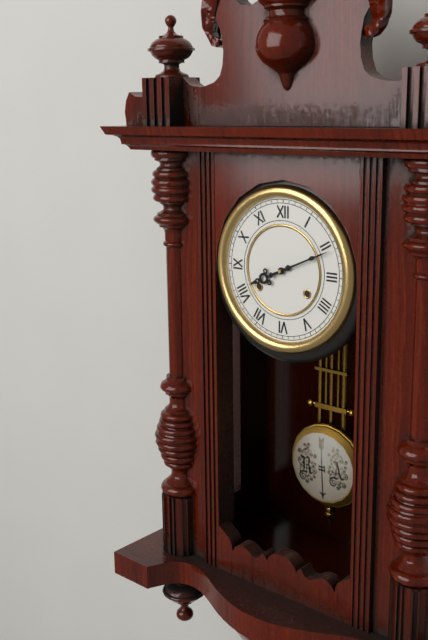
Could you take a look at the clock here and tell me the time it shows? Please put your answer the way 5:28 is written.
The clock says 8:11
